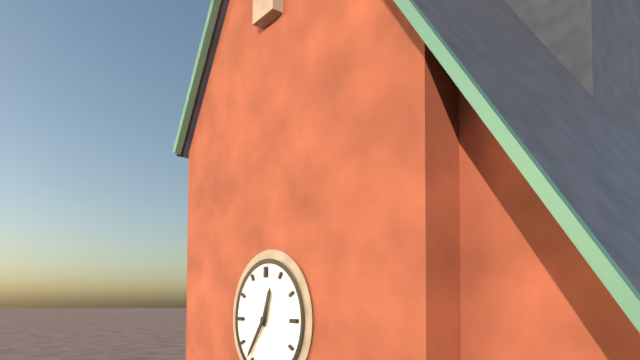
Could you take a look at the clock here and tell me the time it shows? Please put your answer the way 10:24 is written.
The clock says 12:36
